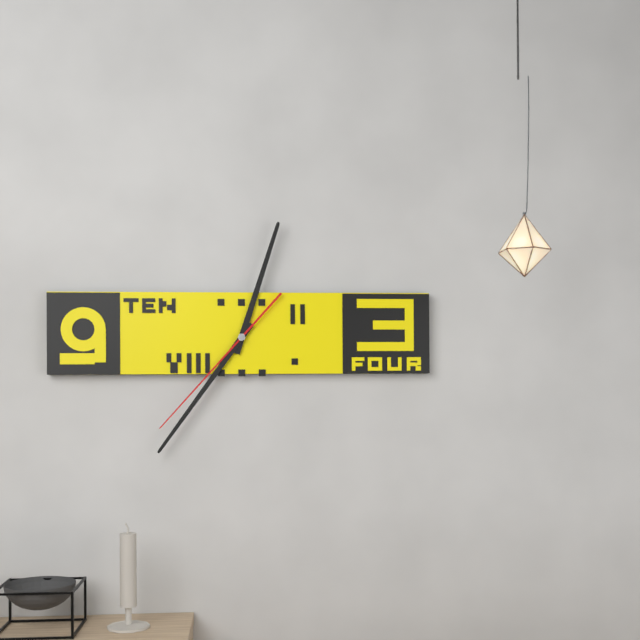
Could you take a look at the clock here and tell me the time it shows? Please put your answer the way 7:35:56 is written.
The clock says 12:36:37
